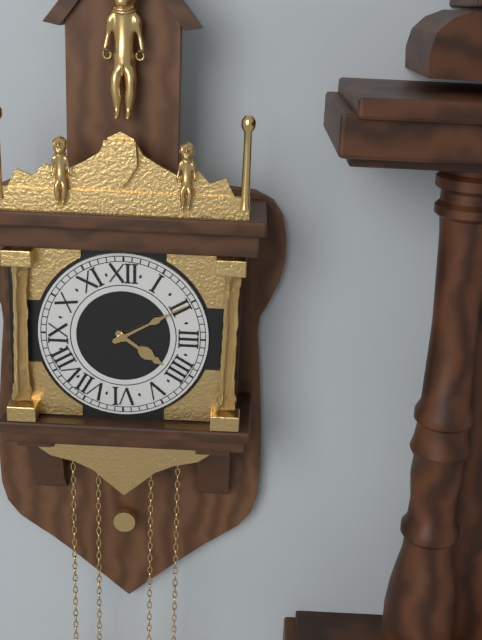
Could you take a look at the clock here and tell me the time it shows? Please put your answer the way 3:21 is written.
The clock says 4:10
